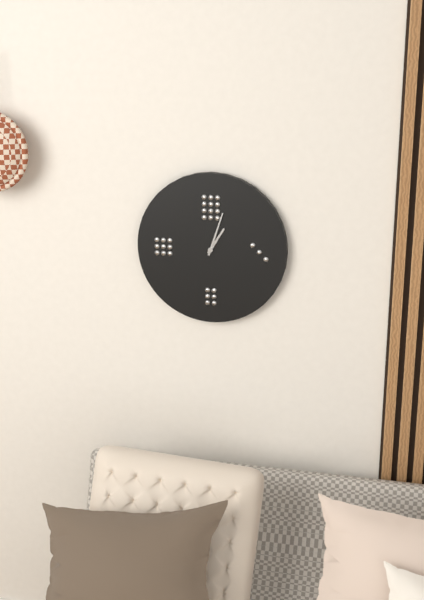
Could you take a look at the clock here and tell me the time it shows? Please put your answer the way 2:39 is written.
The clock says 1:03
